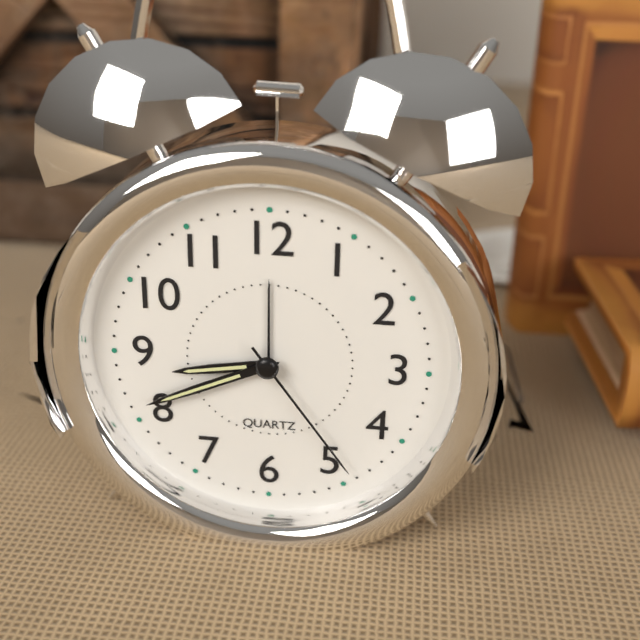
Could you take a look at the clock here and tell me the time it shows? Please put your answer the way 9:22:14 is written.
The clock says 8:41:24
